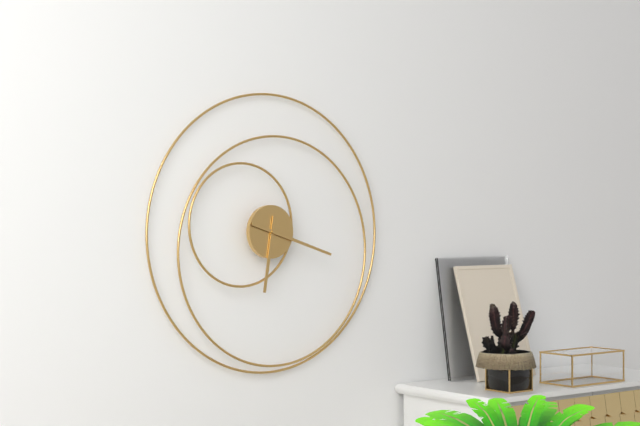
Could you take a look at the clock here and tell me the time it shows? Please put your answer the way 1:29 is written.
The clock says 6:18
